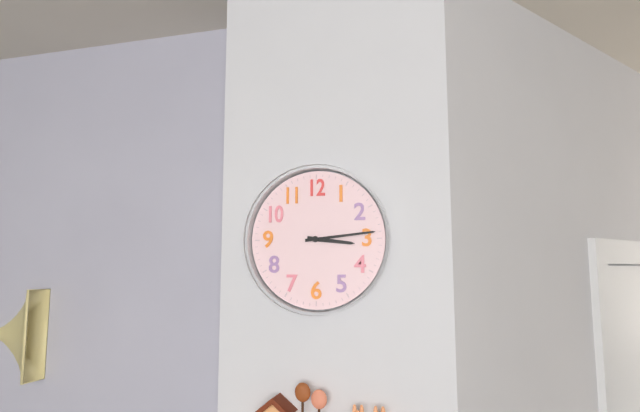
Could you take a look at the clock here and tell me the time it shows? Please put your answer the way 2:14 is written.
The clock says 3:14
